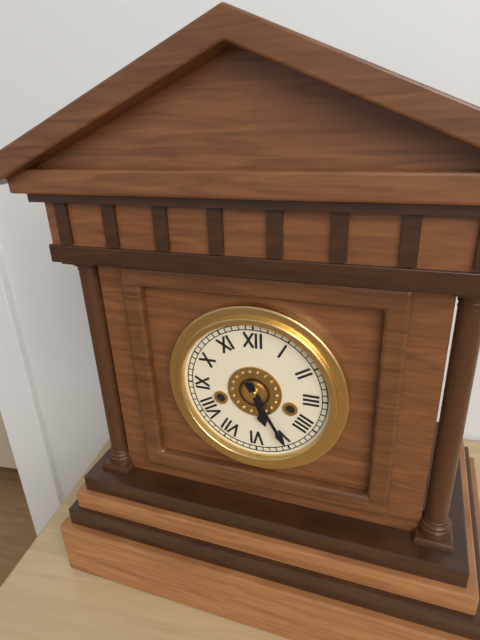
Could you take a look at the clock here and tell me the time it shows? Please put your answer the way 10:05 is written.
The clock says 5:25
